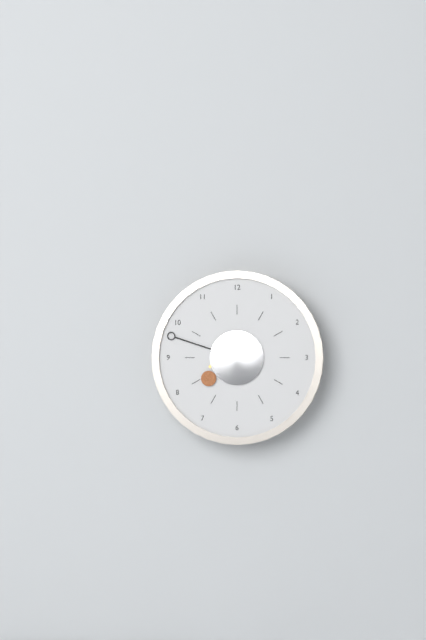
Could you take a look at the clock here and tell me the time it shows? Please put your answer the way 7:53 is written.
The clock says 7:48
